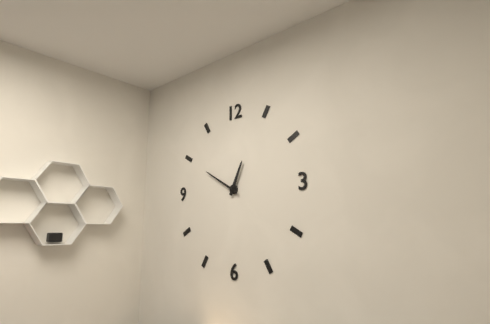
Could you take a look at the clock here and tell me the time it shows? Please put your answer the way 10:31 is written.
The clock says 12:50
